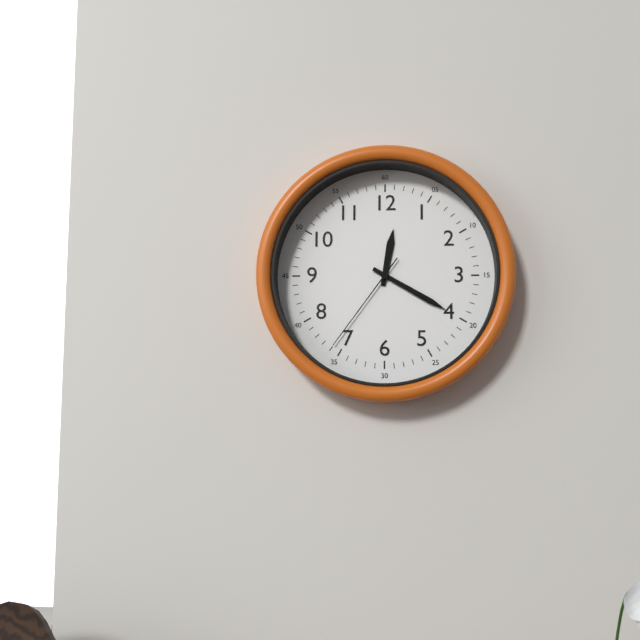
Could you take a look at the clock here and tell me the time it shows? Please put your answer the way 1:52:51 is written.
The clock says 12:20:36
